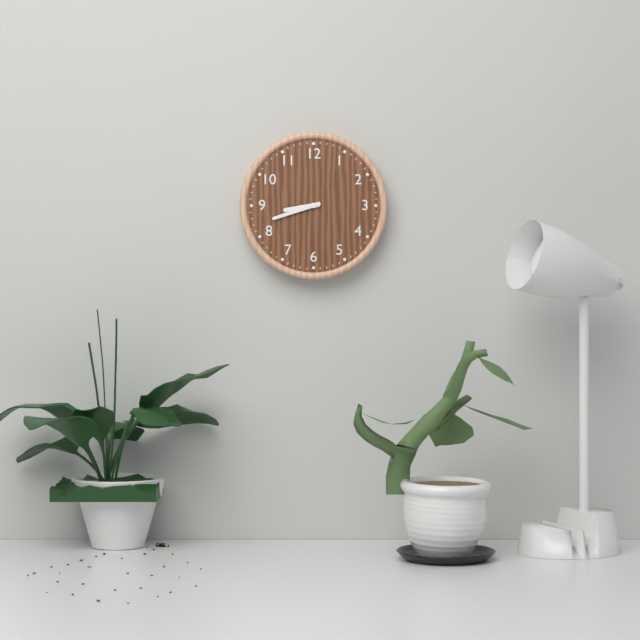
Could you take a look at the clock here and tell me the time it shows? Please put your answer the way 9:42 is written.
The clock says 8:42
